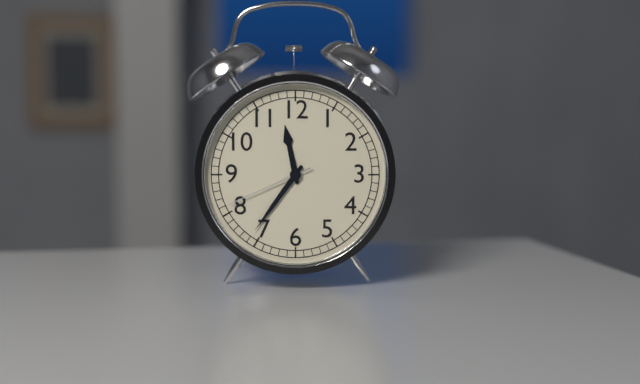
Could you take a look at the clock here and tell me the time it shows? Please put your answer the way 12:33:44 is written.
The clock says 11:36:41
